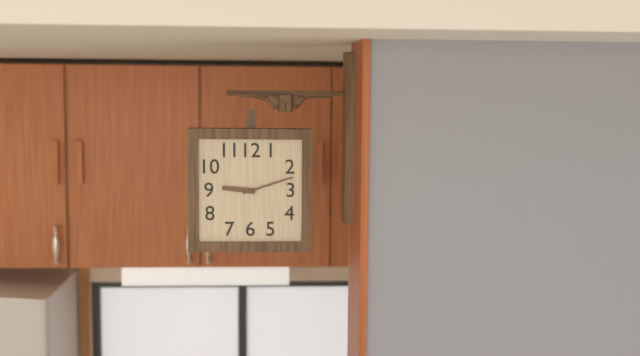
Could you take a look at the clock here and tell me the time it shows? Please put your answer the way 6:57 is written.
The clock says 9:12
